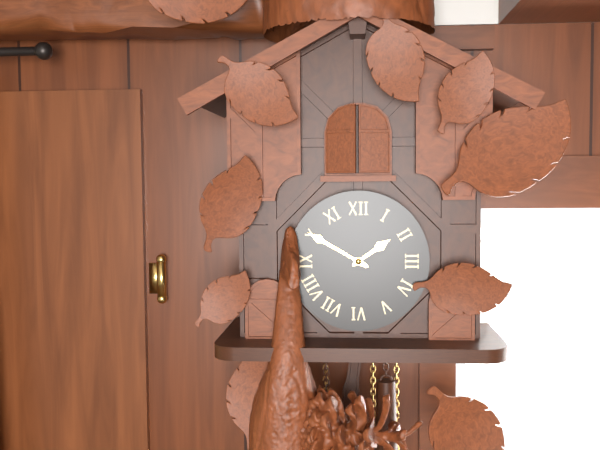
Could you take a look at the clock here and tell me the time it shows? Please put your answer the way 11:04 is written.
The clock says 1:50
